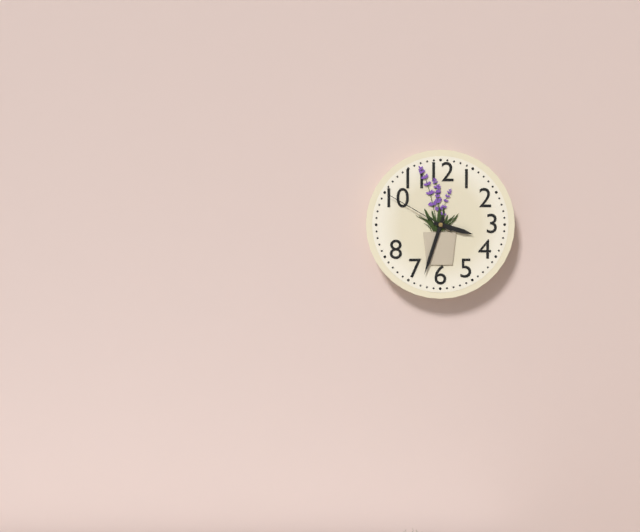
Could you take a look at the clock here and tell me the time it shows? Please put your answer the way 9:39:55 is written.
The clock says 3:33:50
